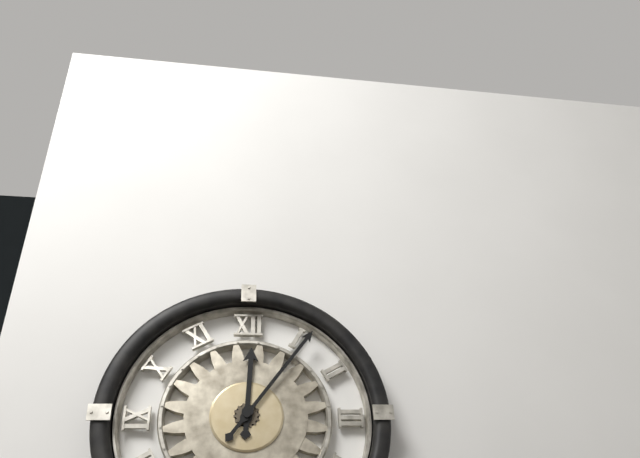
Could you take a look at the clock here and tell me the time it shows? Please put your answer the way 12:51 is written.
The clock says 12:06
